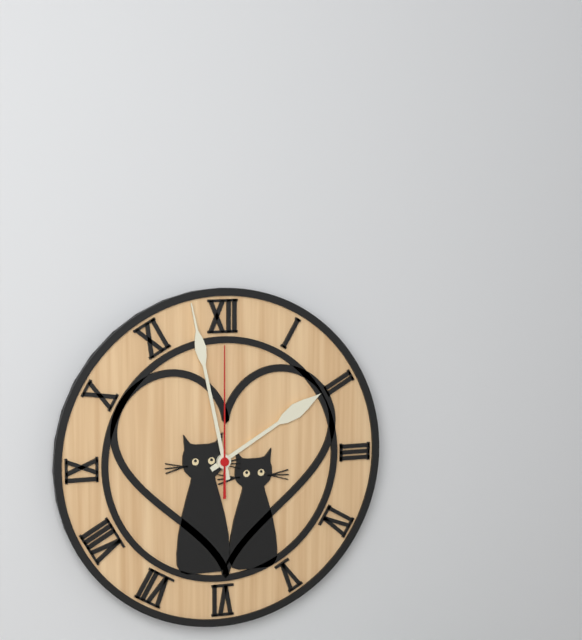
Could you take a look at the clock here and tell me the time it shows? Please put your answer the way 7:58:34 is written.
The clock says 1:58:00
